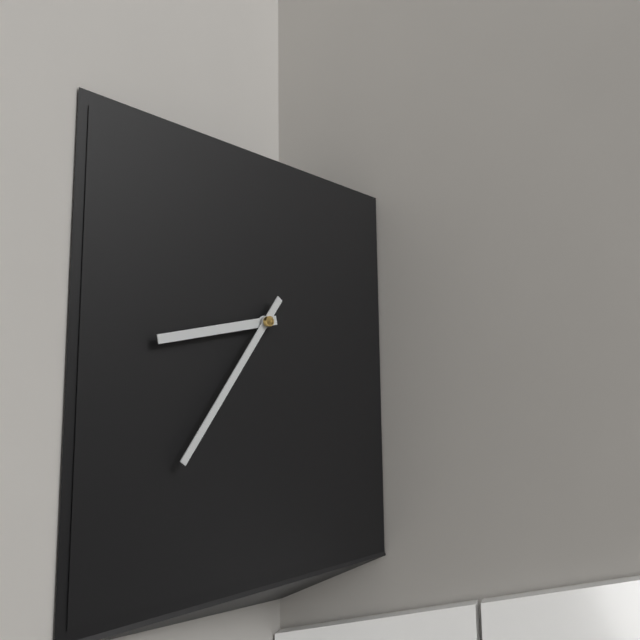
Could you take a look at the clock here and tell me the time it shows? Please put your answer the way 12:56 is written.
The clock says 8:36
